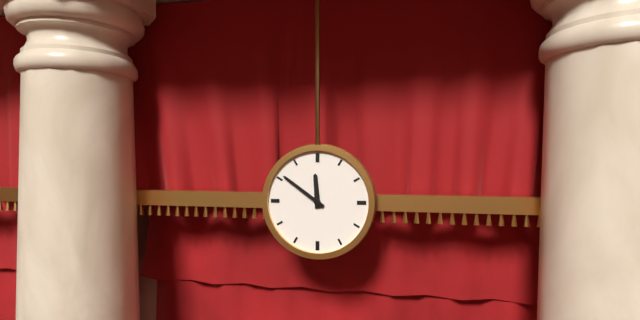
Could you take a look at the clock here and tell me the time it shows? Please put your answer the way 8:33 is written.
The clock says 11:51
